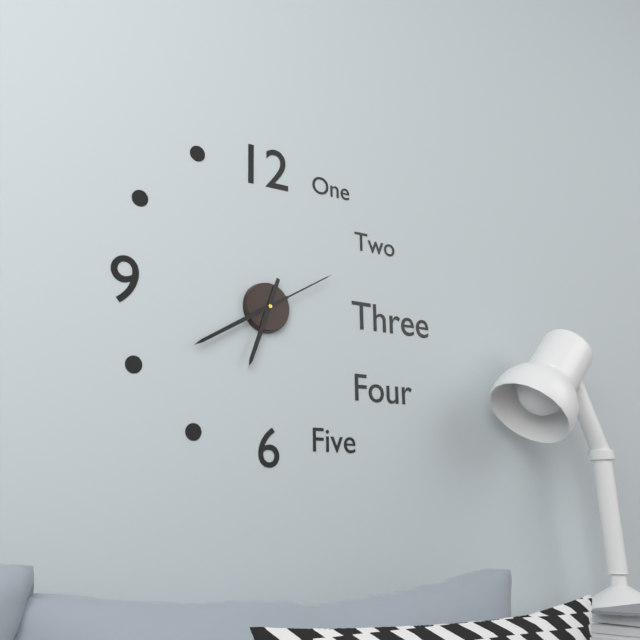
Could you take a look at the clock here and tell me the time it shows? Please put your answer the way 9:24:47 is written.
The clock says 6:40:10
